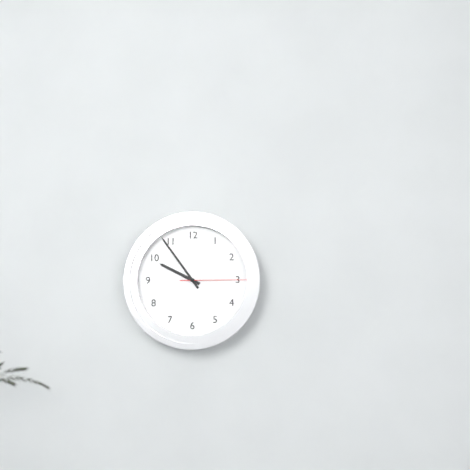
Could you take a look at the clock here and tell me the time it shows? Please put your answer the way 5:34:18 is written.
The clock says 9:54:15
